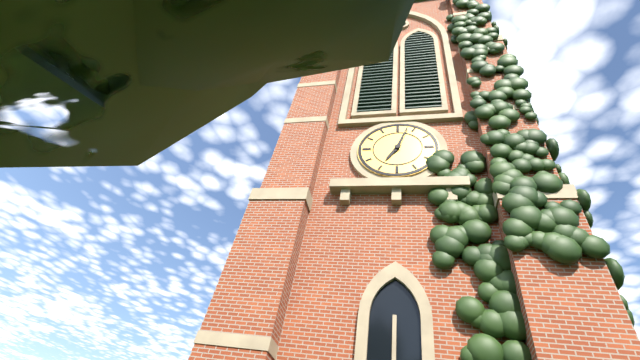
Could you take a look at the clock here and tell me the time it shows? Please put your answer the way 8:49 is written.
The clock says 7:03
